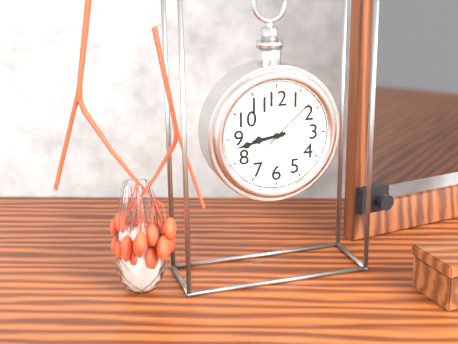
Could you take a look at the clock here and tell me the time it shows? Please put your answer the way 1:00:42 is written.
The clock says 8:43:08
